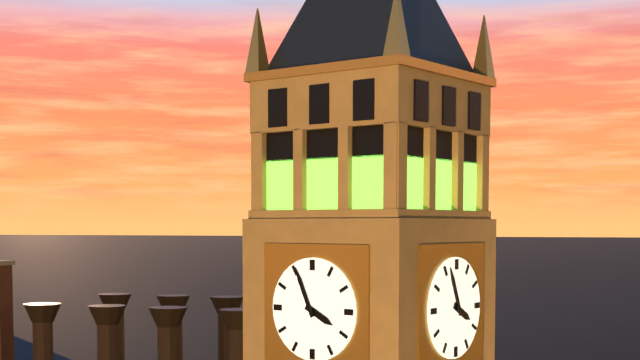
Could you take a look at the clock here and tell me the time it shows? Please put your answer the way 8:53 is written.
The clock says 3:56
